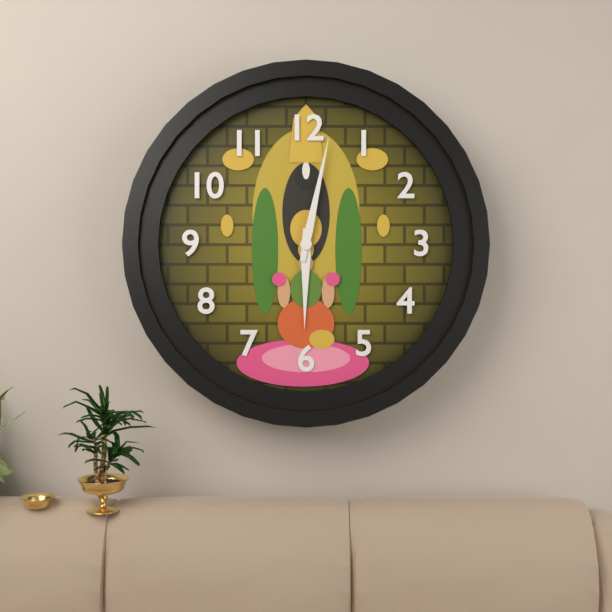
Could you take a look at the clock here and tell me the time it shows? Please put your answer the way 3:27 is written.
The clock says 6:02
